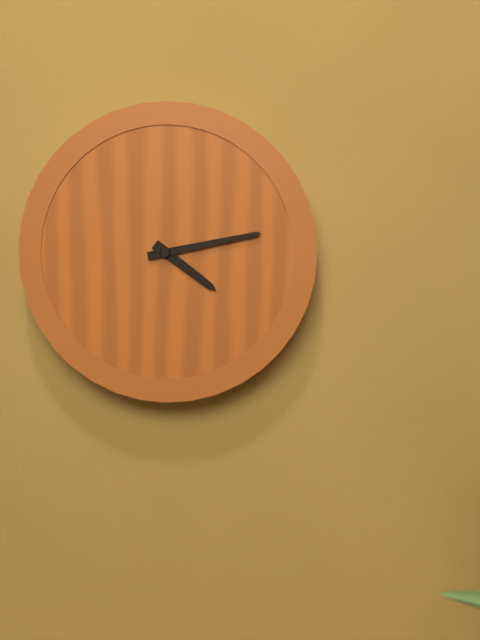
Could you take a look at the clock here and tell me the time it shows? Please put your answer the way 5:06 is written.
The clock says 4:13
